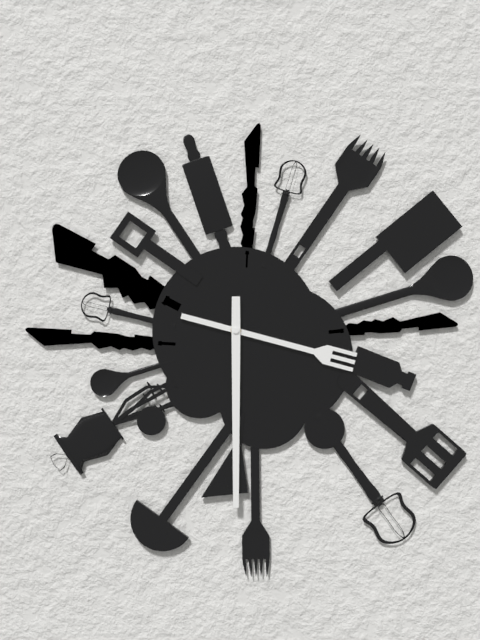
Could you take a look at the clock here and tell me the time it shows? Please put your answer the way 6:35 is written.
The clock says 3:30
